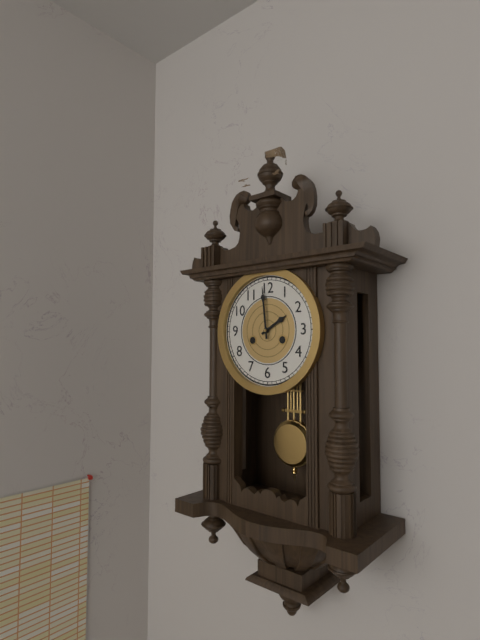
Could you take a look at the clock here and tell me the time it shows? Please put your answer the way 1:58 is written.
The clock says 1:59
